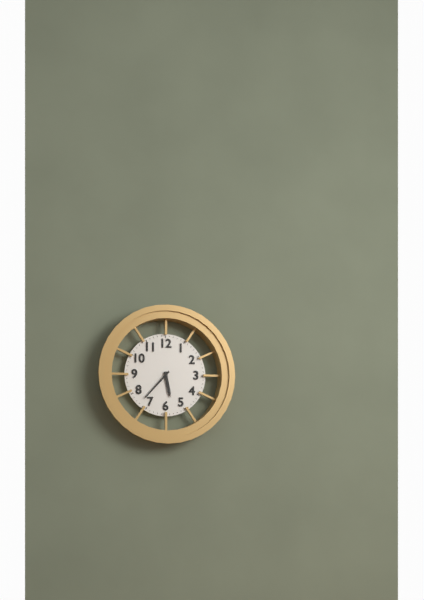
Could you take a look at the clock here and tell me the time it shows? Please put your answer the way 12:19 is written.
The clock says 5:37
